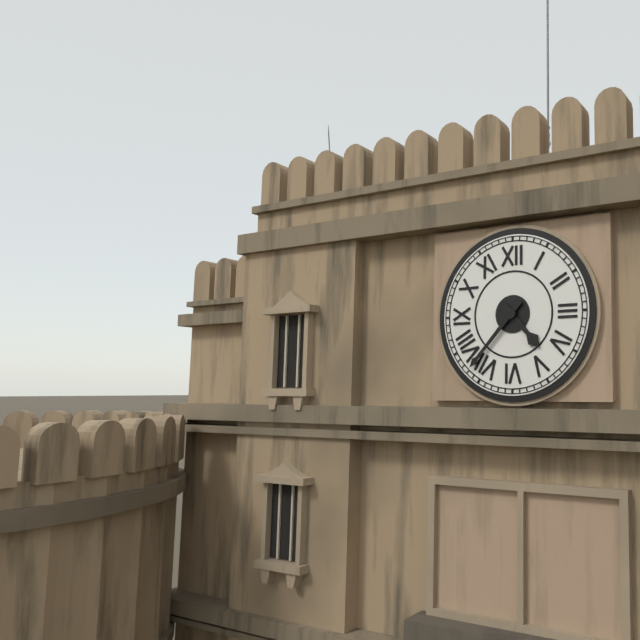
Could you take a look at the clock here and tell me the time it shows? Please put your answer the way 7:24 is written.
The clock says 4:37
